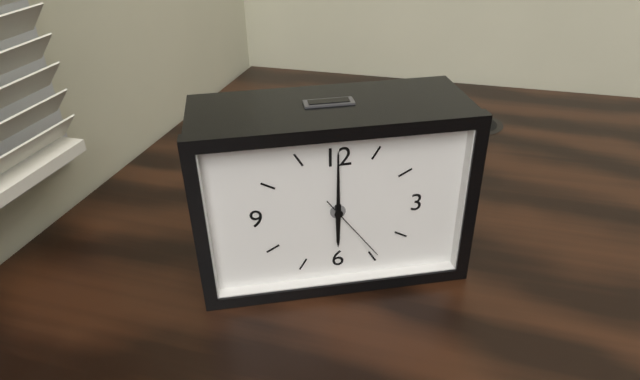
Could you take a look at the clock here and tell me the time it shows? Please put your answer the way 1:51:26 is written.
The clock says 6:00:24
